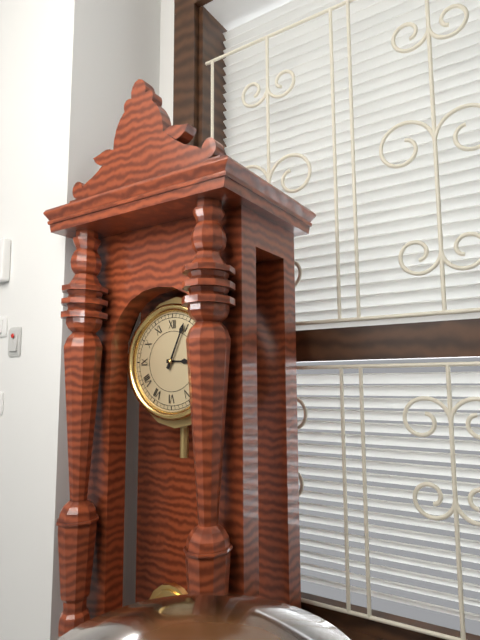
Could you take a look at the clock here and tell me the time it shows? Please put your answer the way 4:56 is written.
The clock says 3:04
